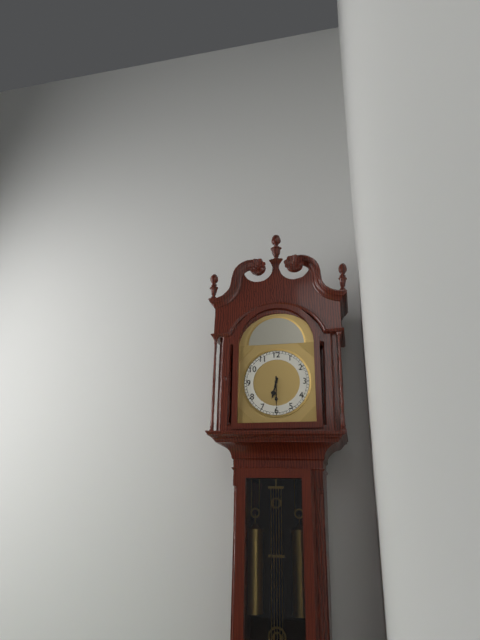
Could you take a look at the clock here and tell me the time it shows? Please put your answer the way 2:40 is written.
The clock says 6:30
